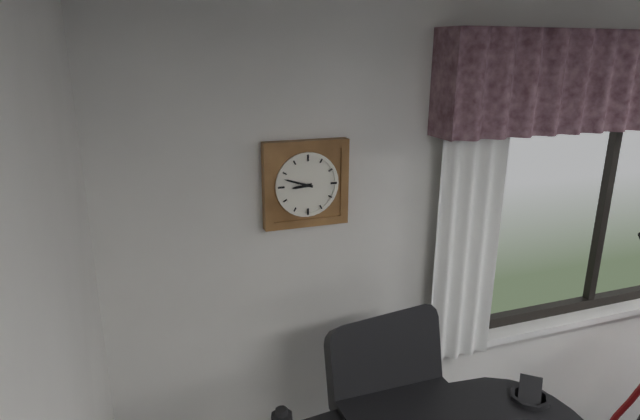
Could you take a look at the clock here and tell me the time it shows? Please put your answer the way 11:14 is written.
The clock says 8:48
